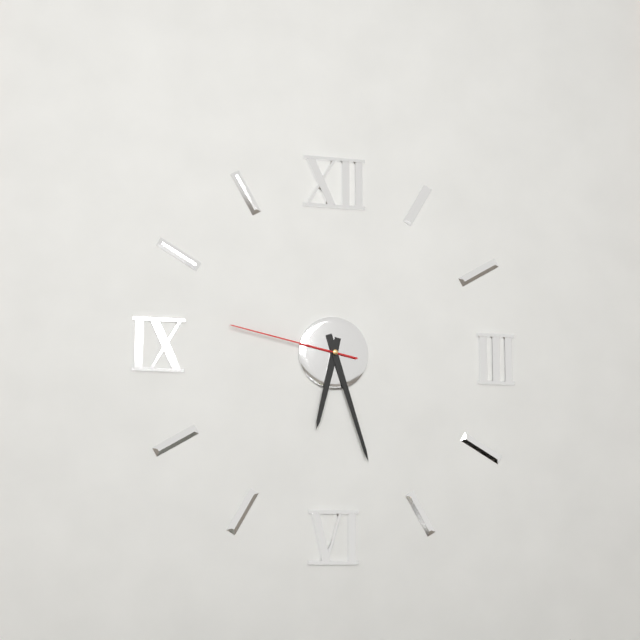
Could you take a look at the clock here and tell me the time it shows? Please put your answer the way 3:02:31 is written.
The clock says 6:27:47
